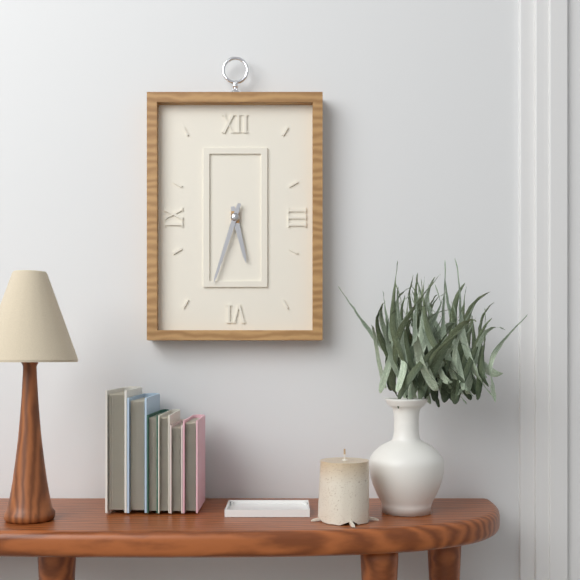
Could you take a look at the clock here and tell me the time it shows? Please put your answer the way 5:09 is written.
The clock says 5:33
